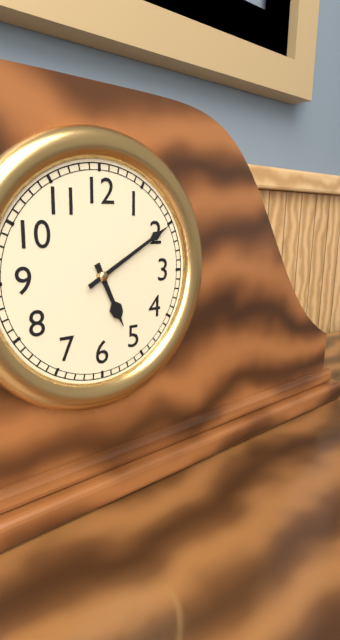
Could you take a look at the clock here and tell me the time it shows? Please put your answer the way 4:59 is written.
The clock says 5:10
